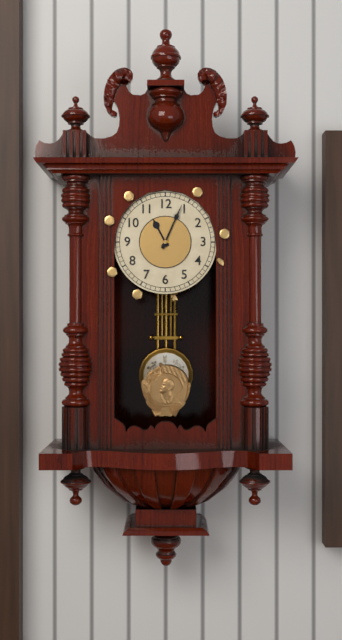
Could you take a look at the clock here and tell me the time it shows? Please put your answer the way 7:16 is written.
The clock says 11:04
